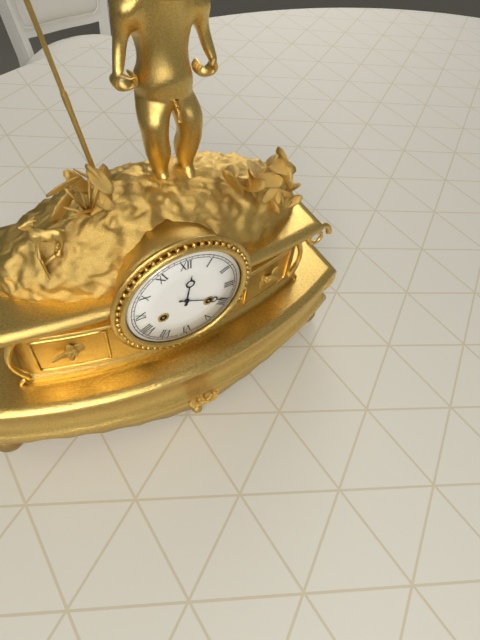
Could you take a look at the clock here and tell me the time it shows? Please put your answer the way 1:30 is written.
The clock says 12:19
